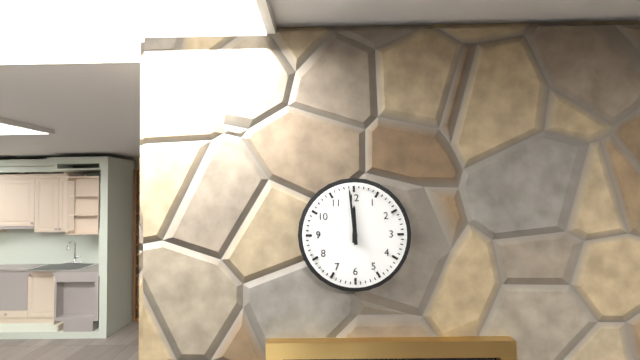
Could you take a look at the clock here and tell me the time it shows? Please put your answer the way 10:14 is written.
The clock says 11:59
